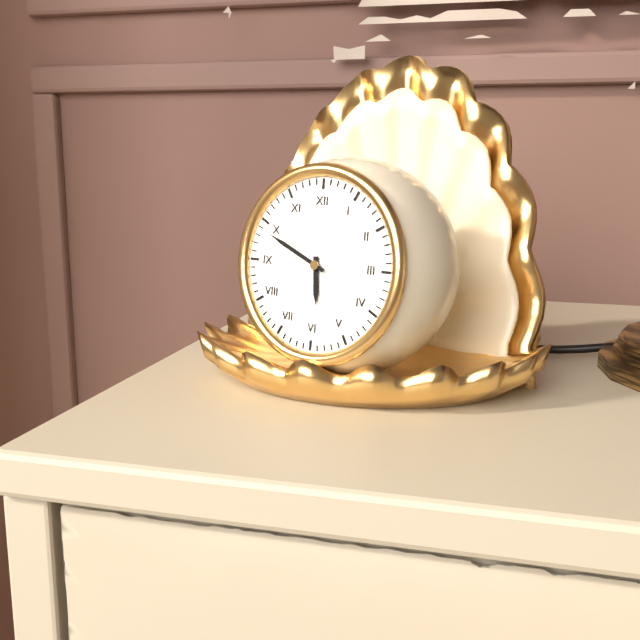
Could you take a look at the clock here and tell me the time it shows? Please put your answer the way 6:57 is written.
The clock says 5:49
